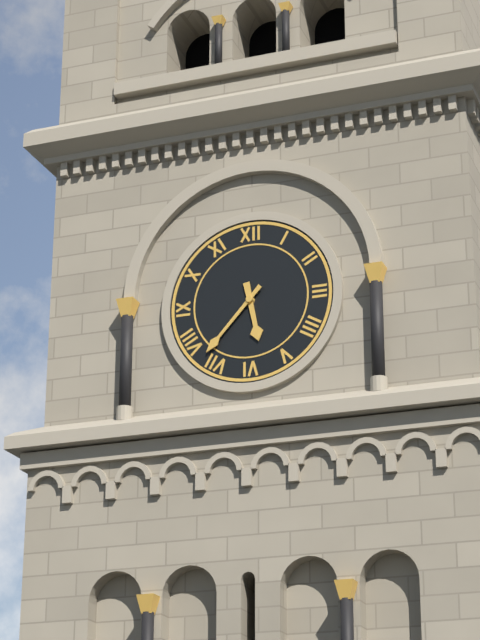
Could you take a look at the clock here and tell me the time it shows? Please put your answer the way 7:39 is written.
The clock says 5:37
